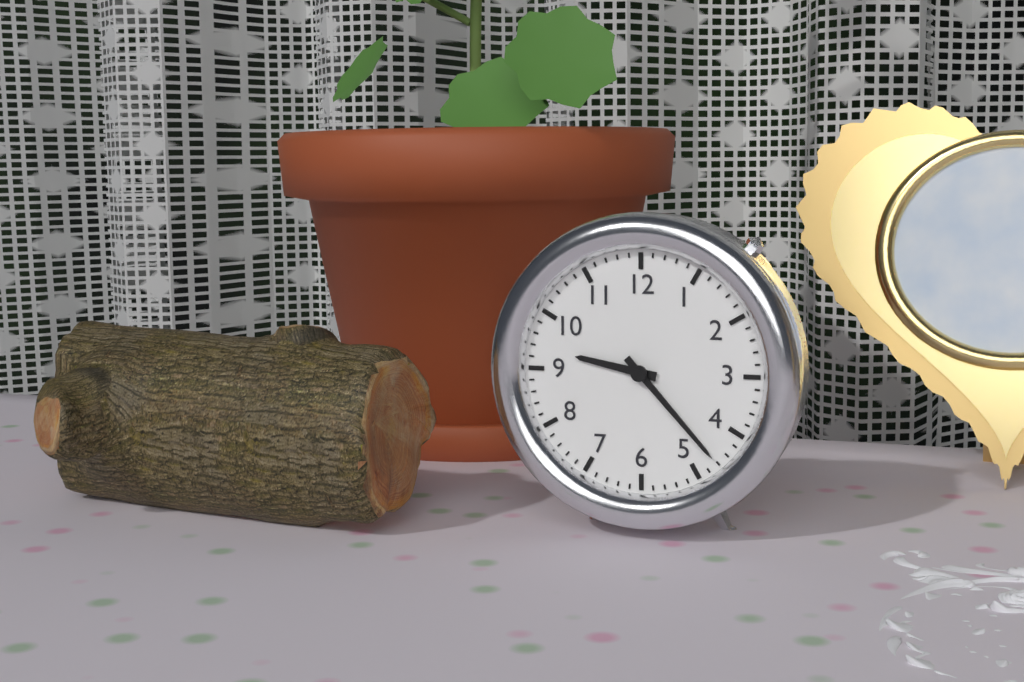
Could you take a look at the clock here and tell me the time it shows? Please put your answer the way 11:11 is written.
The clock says 9:23
